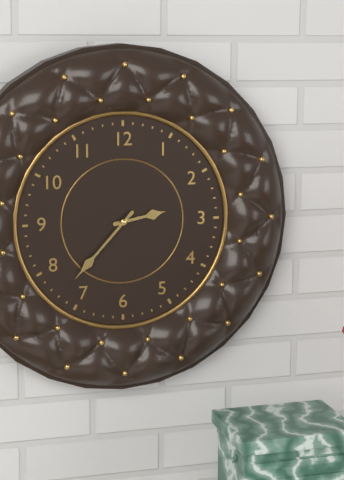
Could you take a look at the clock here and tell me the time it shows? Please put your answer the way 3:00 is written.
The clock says 2:37
